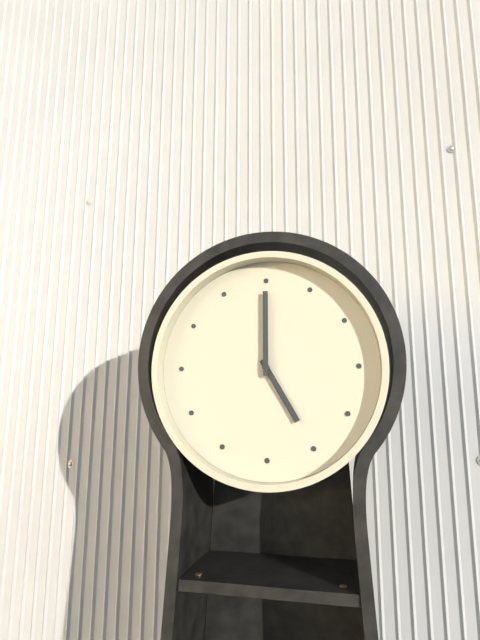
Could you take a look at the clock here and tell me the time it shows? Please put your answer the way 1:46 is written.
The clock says 5:00
